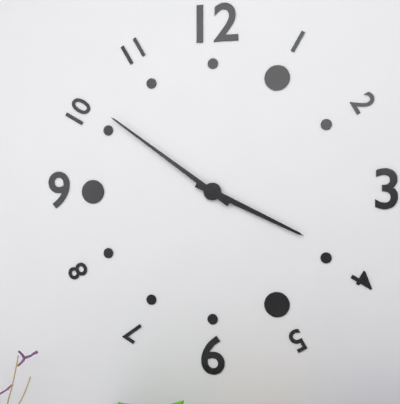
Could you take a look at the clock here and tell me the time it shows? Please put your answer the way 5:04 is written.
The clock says 3:51
